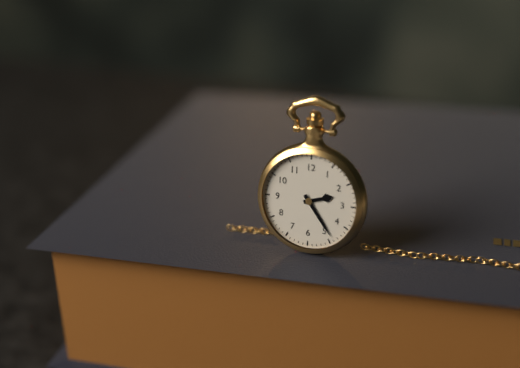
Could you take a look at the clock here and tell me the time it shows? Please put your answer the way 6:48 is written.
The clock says 2:24
